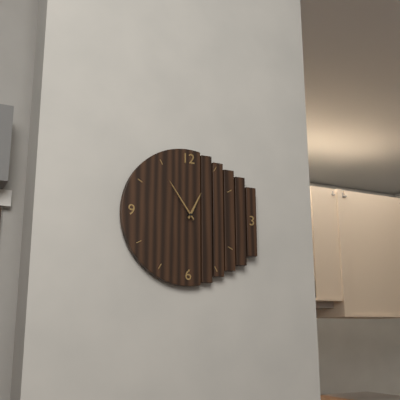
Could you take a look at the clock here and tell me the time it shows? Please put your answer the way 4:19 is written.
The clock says 12:54
